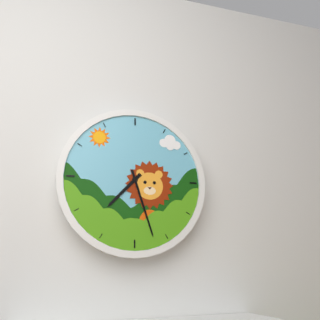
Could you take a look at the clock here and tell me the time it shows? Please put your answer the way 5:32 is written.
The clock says 7:27
